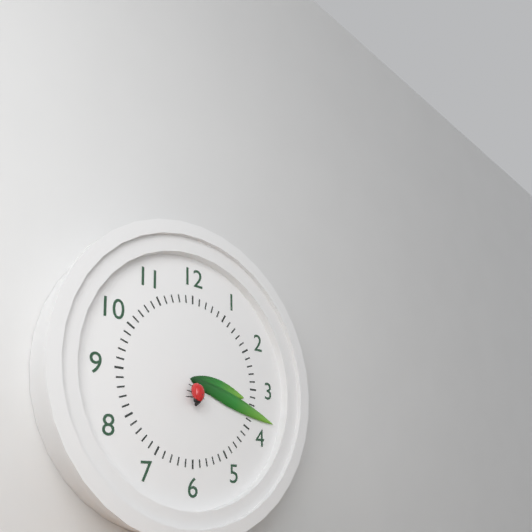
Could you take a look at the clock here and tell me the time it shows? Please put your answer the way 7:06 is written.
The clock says 3:18
